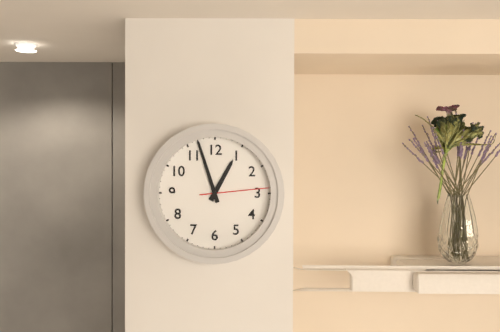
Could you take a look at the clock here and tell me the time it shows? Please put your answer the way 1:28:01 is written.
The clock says 12:57:14
